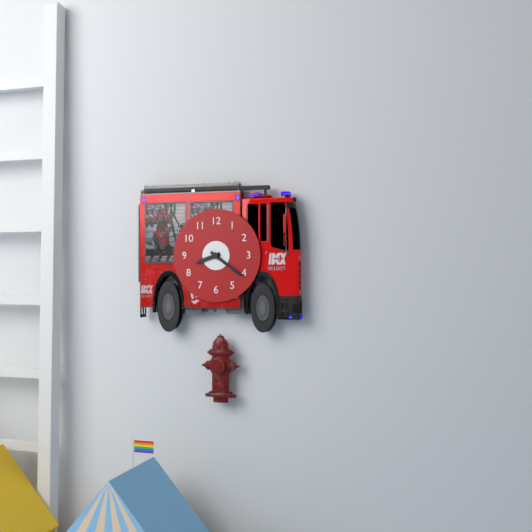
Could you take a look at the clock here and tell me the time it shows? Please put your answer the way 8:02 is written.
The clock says 8:21
